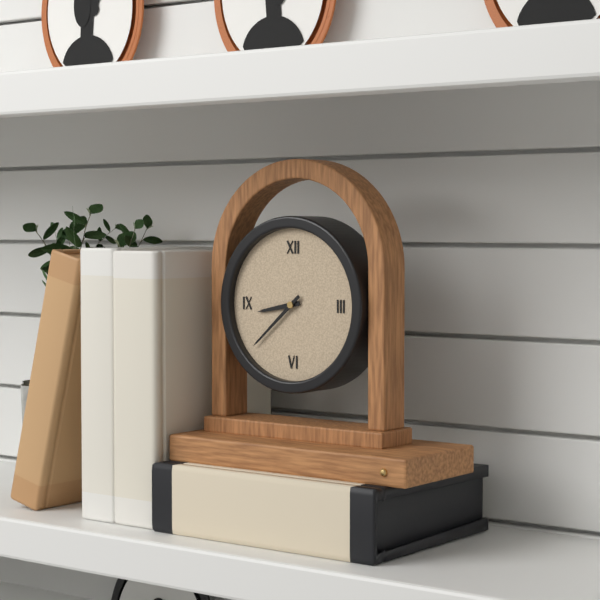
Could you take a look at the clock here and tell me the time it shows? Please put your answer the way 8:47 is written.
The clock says 8:38
